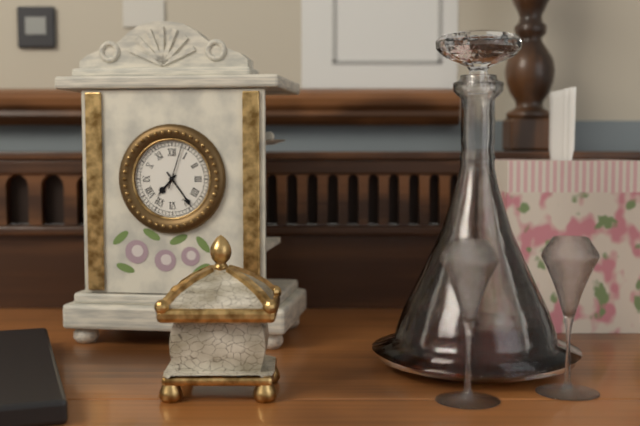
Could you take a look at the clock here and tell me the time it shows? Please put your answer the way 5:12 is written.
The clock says 7:24
